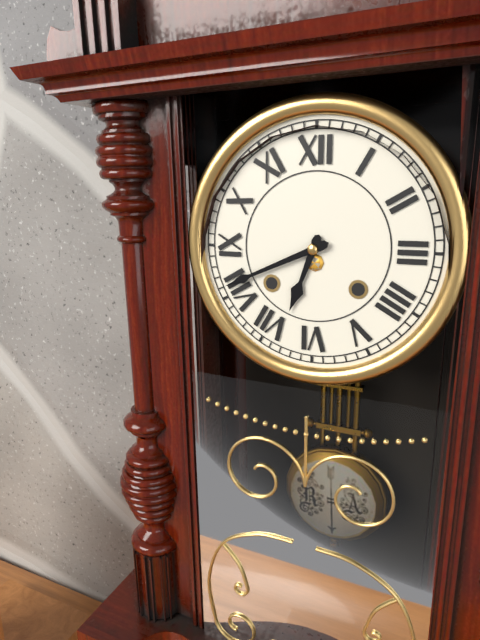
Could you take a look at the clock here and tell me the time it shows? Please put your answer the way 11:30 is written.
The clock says 6:41
